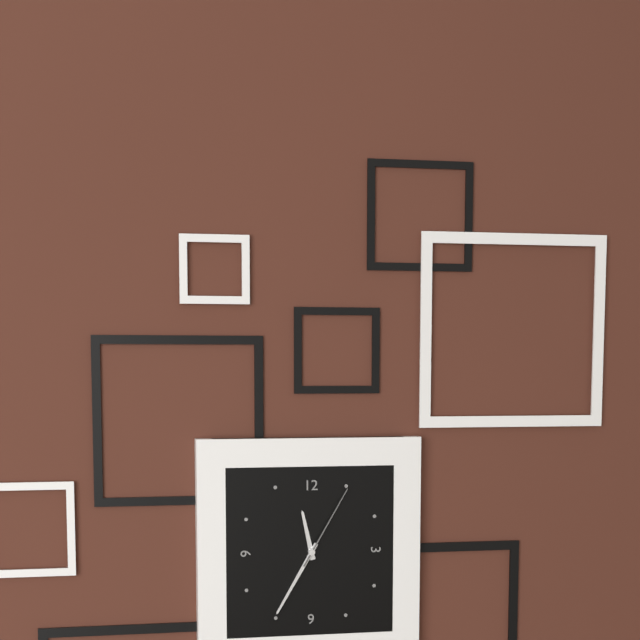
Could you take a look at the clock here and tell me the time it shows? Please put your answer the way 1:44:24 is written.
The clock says 11:35:05
